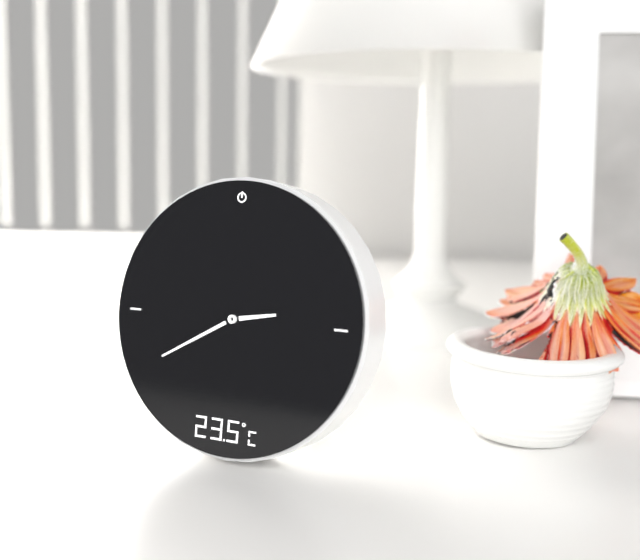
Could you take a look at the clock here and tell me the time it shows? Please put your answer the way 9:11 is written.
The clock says 2:40
